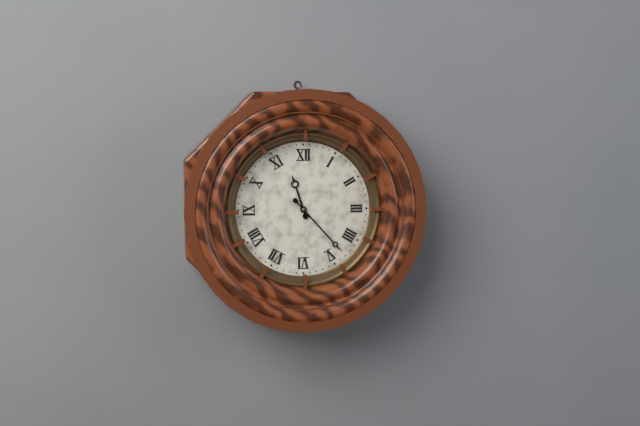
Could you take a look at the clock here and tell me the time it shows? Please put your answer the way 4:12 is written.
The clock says 11:23
